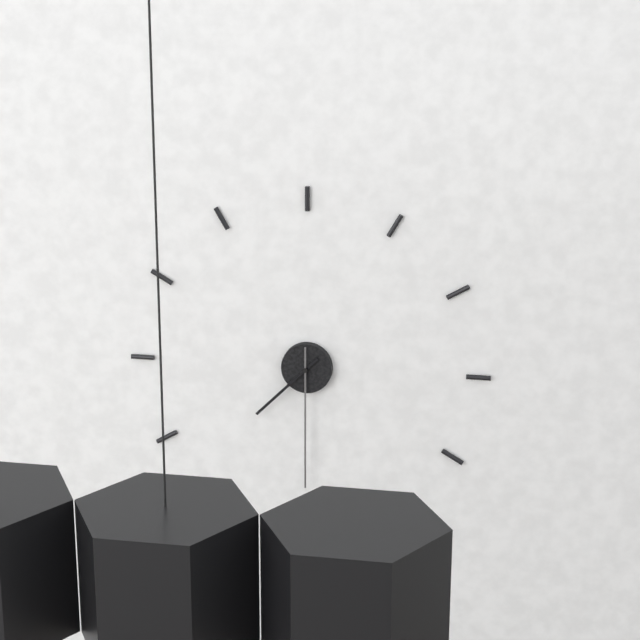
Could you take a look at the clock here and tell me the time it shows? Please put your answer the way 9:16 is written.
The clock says 7:30
